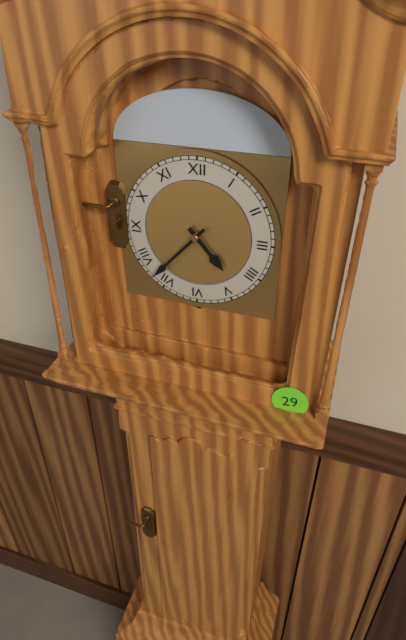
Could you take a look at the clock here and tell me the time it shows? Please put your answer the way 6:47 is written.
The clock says 4:37
